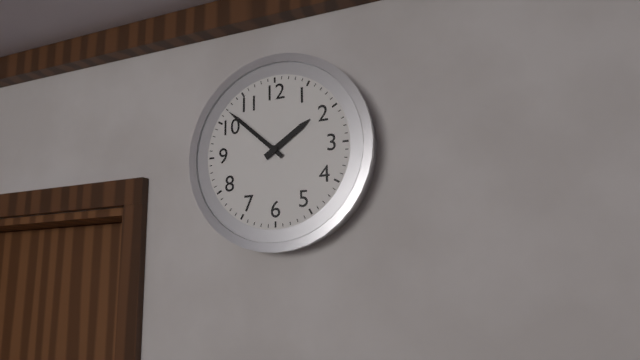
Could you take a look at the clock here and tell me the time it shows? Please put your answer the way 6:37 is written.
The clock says 1:52
